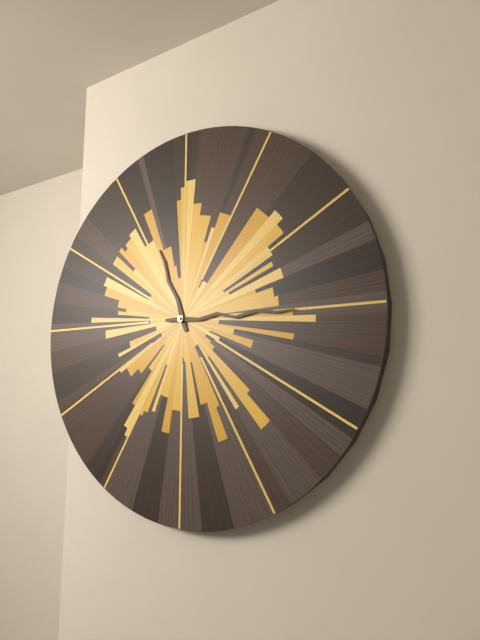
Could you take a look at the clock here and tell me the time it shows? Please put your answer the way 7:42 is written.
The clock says 11:15
